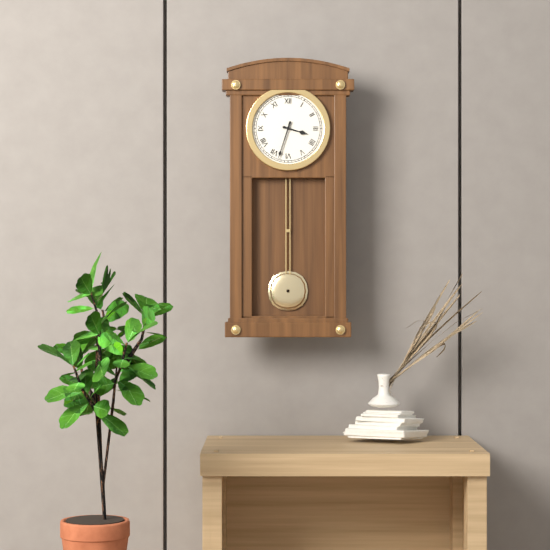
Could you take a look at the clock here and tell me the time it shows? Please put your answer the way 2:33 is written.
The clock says 3:33
